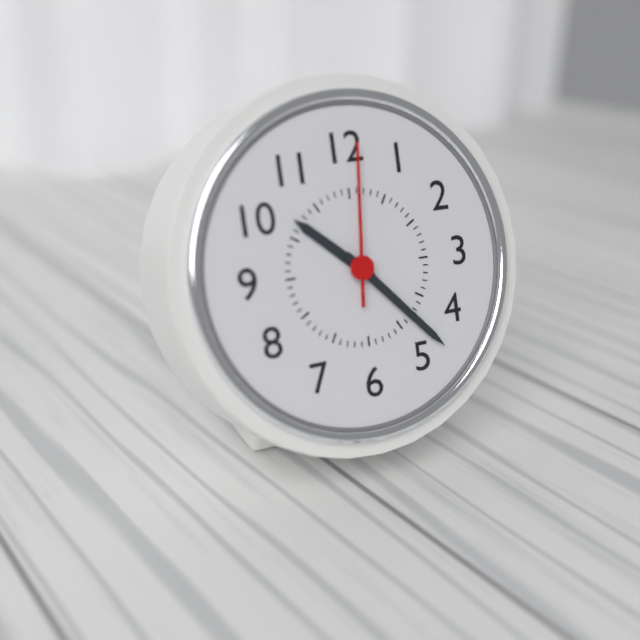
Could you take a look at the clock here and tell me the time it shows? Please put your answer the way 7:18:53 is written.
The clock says 10:23:01
